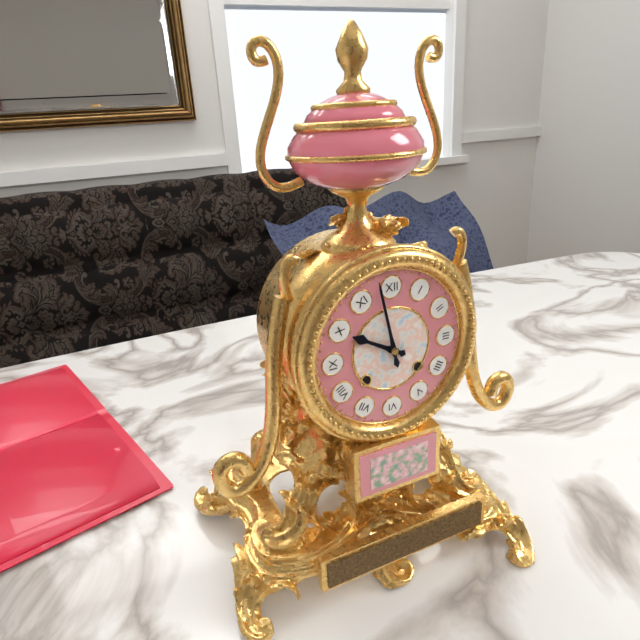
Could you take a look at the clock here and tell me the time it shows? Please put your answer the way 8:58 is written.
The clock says 9:58
